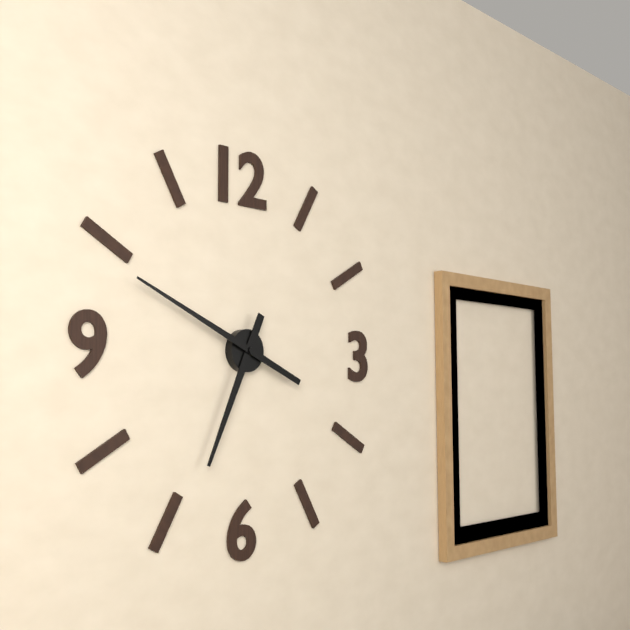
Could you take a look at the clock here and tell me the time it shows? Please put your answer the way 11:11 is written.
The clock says 6:49
